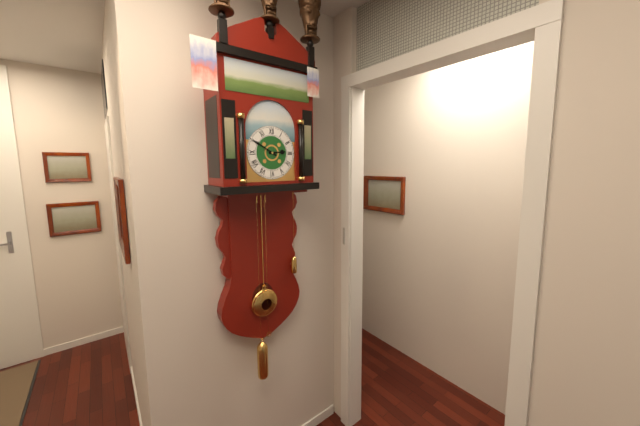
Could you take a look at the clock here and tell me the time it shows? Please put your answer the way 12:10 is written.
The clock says 2:50
